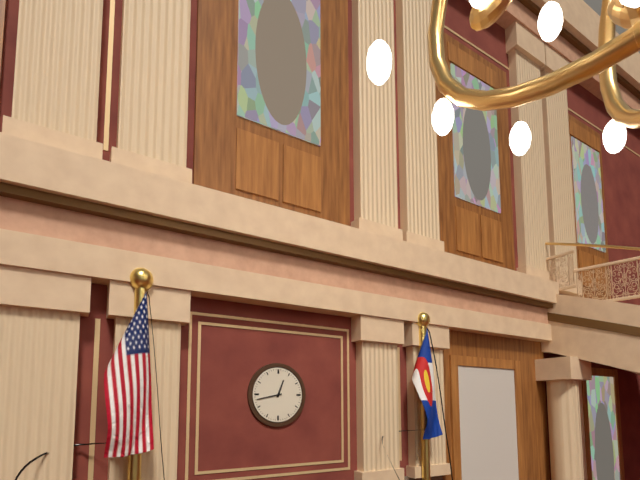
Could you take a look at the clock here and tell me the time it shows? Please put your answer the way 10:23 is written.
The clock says 12:43
